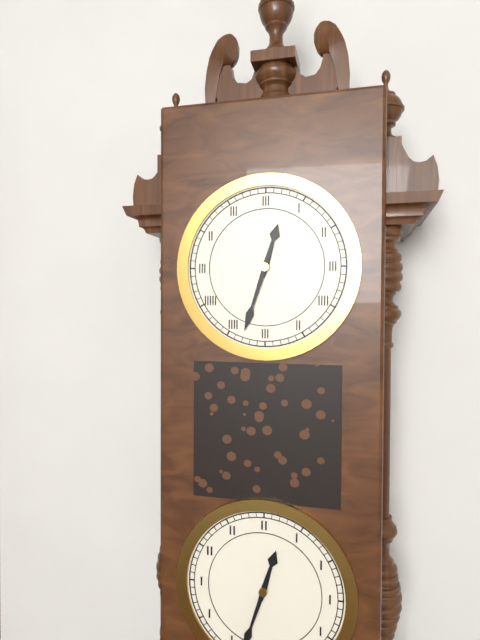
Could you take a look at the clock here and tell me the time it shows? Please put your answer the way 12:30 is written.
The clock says 12:33
